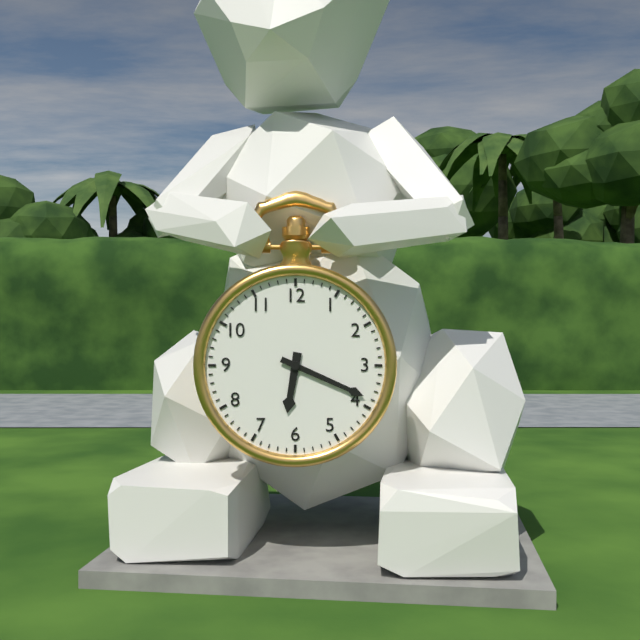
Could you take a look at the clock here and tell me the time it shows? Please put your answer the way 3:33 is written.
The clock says 6:19
